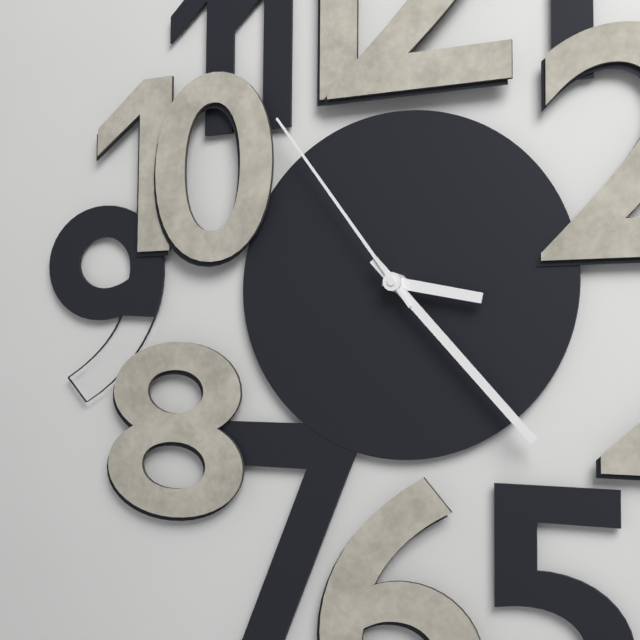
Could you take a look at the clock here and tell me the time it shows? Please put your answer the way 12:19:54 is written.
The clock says 3:23:54
